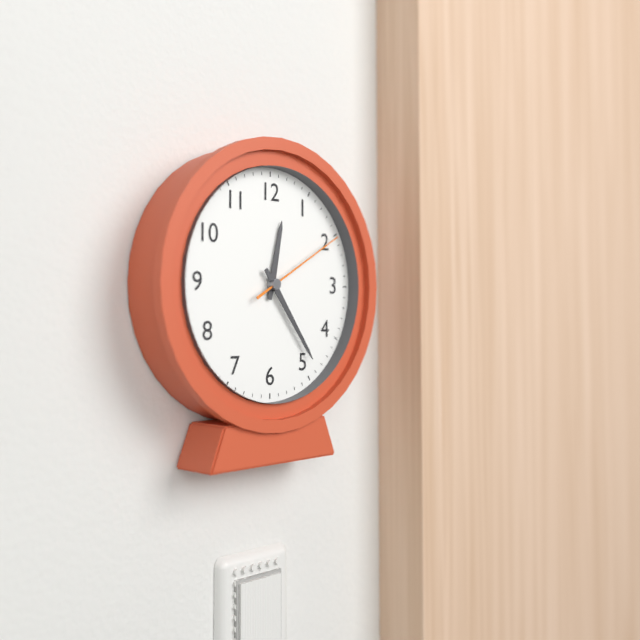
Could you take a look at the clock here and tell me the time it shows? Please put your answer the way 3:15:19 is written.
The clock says 12:24:10
